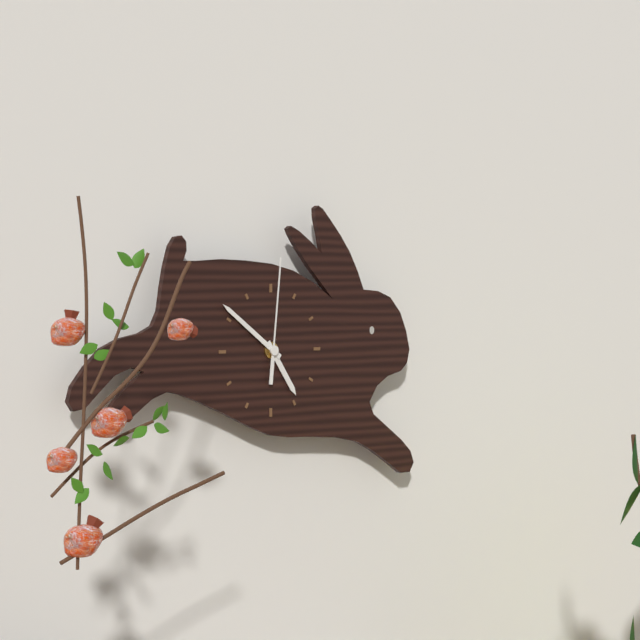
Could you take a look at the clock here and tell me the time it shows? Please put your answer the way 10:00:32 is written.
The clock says 4:51:01
